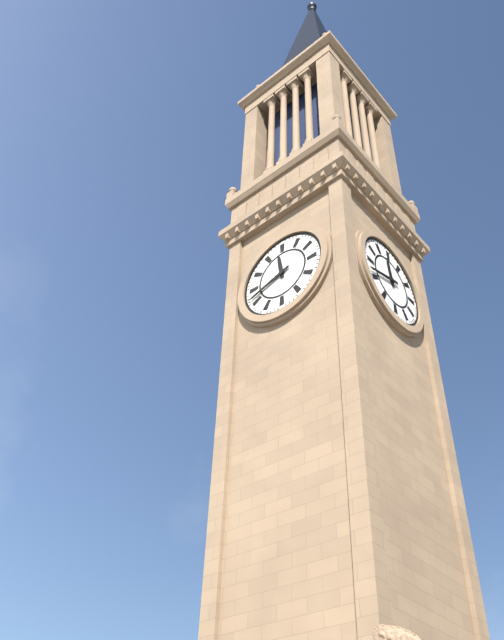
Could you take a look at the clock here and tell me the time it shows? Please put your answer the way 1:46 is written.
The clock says 11:42
